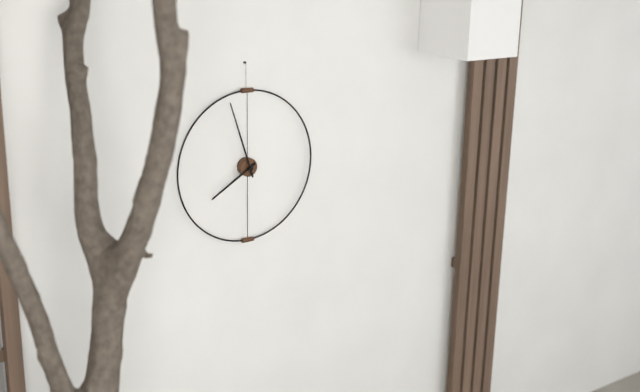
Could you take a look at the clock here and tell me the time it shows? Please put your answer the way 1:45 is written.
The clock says 7:57
